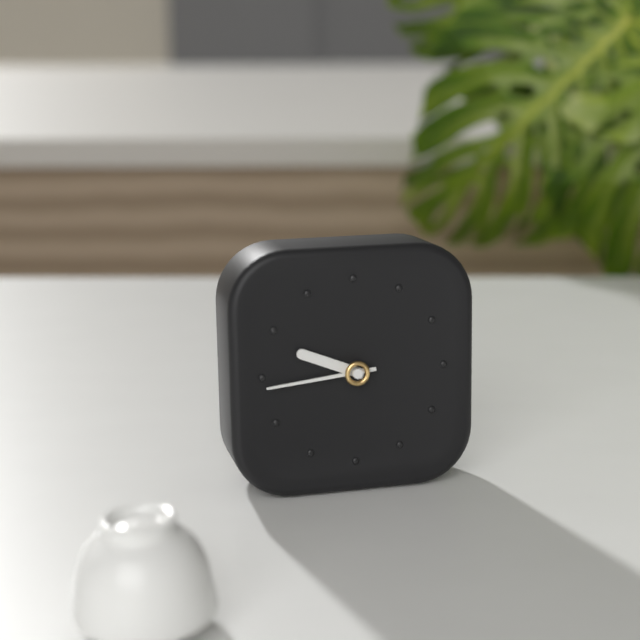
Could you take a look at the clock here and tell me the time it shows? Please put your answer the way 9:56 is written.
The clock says 9:44
